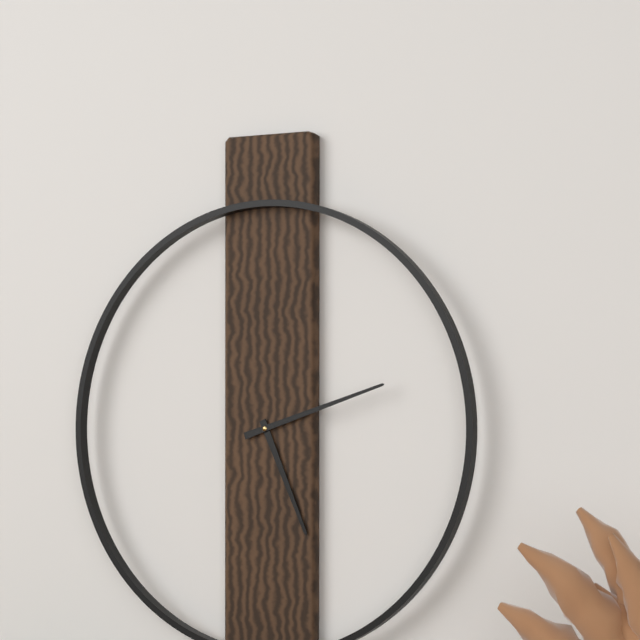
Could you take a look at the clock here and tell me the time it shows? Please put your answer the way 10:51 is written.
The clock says 5:12
